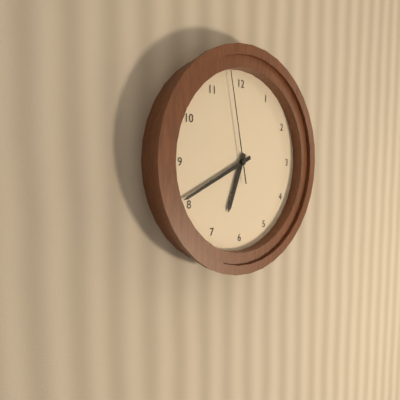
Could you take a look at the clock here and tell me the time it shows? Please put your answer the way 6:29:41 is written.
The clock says 6:41:58
